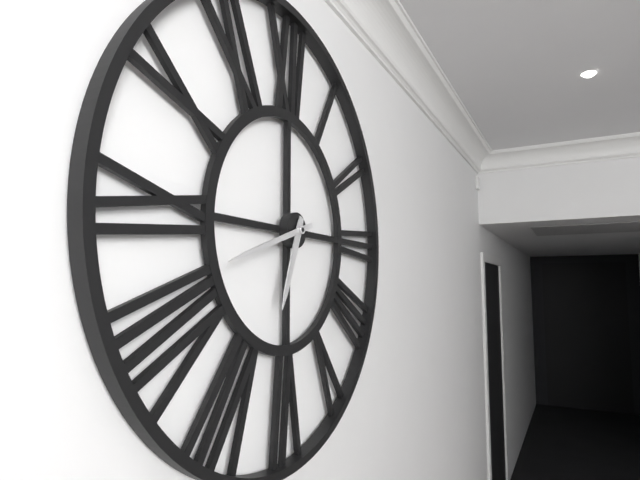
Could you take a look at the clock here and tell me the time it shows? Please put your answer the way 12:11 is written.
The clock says 6:42
